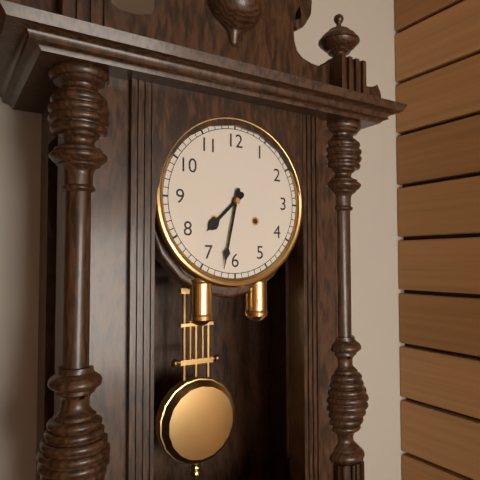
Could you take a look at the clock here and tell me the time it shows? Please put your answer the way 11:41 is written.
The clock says 7:32
